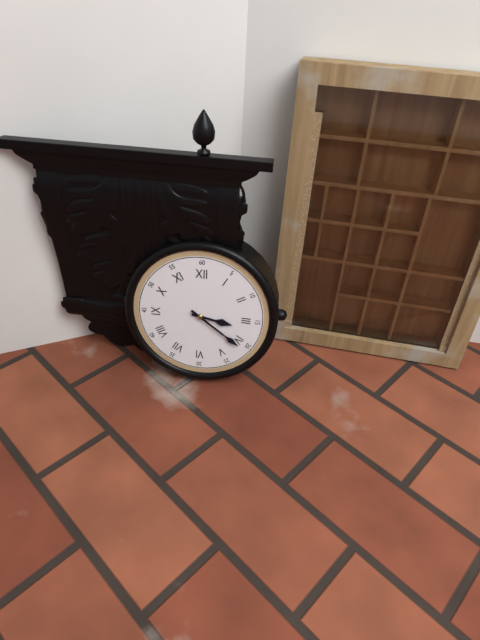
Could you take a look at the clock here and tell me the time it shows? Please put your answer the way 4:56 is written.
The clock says 3:21
